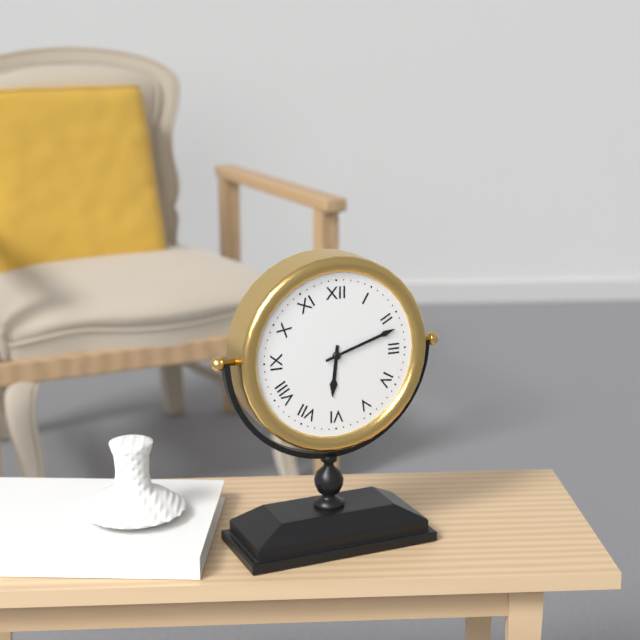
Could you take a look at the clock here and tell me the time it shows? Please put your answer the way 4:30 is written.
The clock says 6:12
